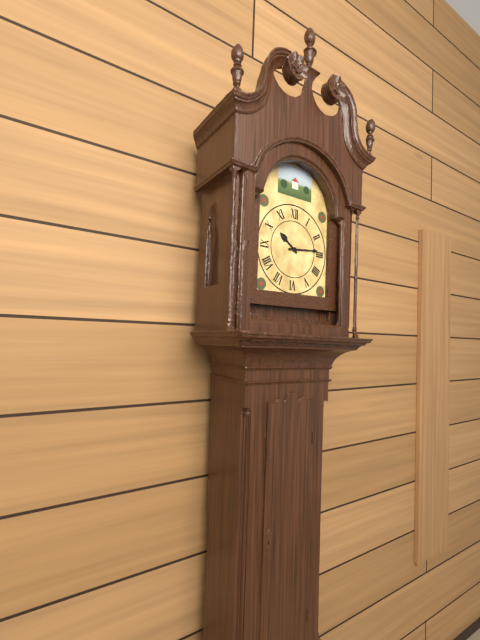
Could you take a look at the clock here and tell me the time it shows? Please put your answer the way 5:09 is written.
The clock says 10:14
